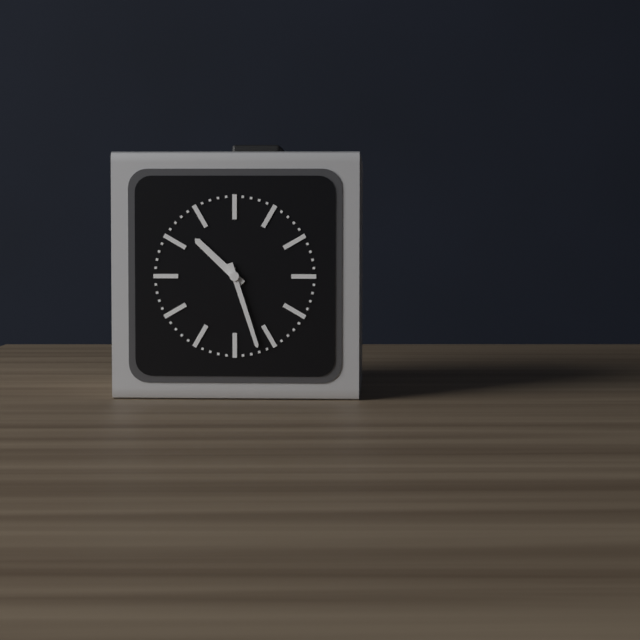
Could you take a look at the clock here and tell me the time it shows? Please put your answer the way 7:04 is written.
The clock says 10:27
